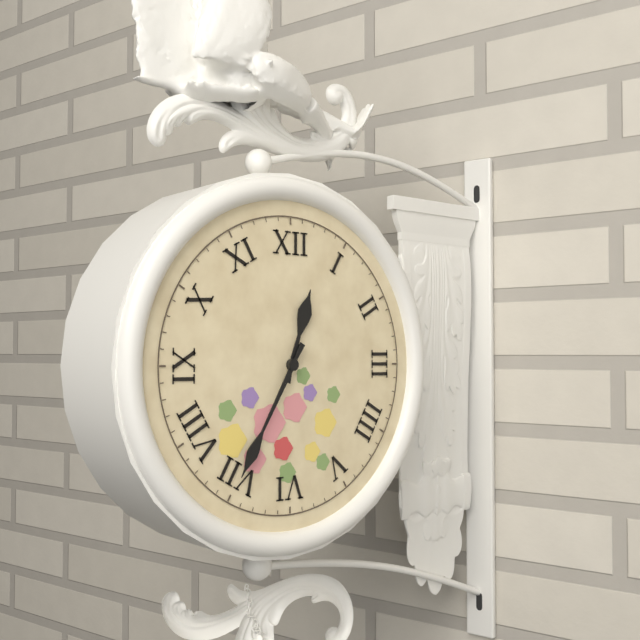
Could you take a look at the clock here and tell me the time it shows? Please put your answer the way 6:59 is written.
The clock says 12:35
